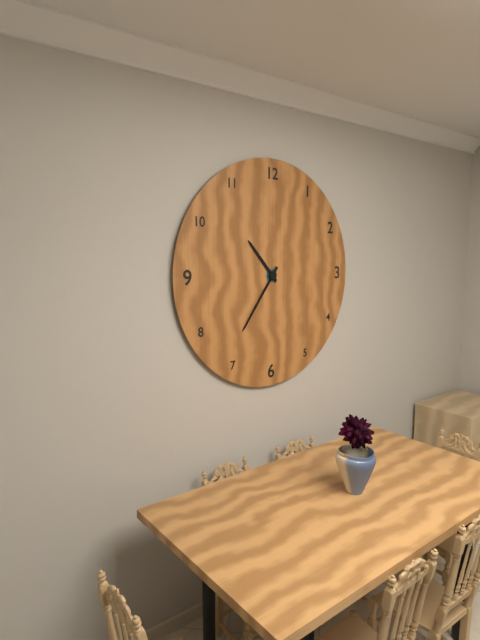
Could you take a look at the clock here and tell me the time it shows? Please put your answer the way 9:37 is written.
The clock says 10:36
